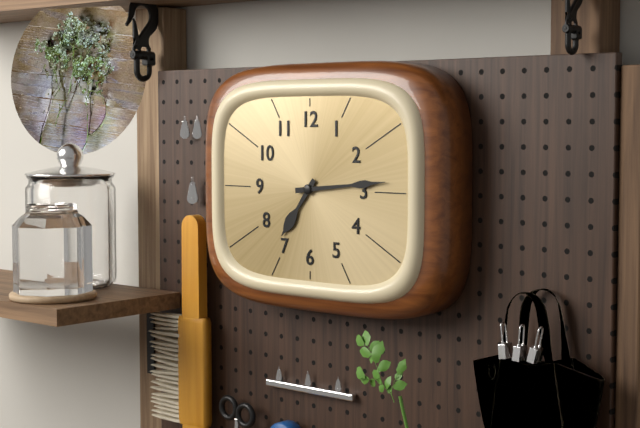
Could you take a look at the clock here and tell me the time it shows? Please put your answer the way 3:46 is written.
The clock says 7:14
